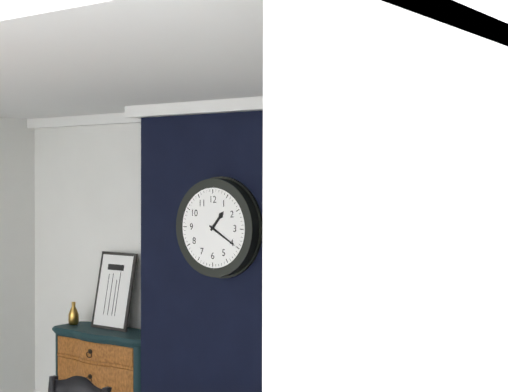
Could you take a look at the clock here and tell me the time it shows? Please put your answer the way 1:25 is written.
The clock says 1:20
